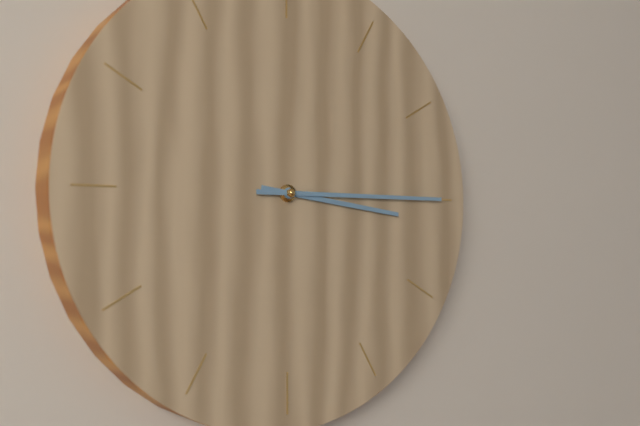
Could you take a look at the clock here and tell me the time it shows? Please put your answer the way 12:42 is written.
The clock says 3:15
